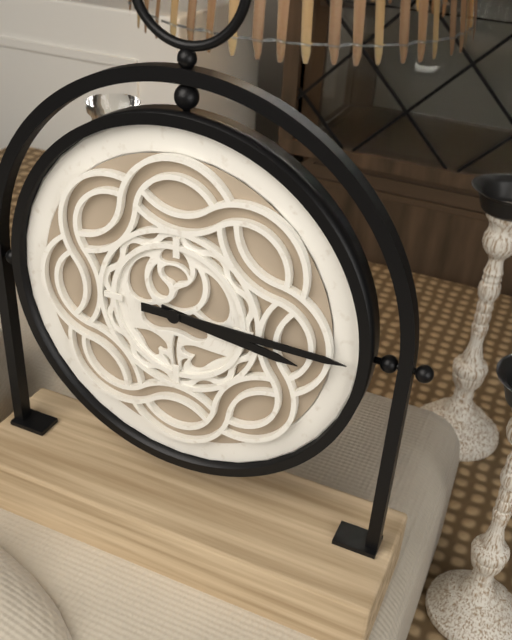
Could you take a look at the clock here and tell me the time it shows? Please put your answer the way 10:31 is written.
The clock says 3:15
